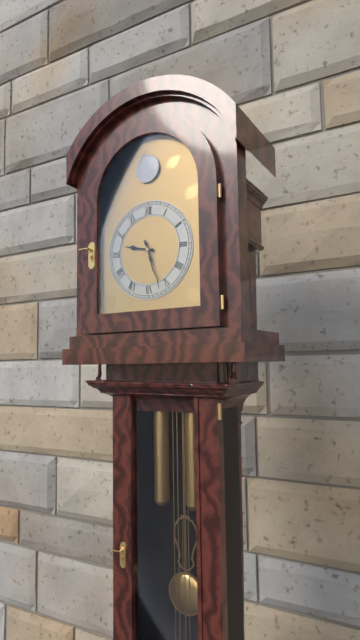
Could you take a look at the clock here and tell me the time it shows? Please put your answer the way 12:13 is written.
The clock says 9:27
